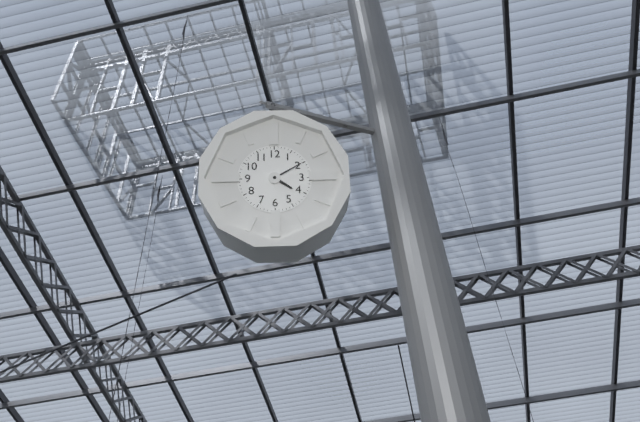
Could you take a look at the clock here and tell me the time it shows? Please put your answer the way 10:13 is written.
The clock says 4:10
